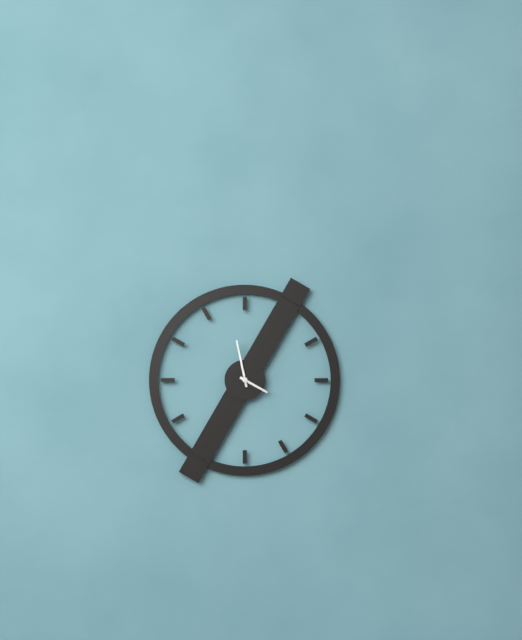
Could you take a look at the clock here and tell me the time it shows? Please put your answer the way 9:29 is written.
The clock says 3:58
